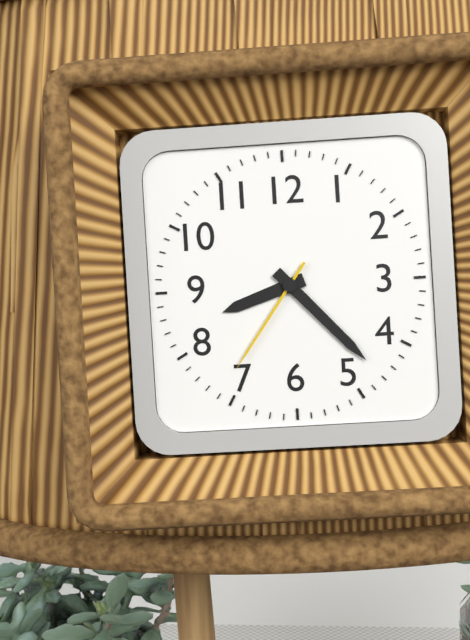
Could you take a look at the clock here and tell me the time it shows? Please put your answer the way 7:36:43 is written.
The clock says 8:23:36
